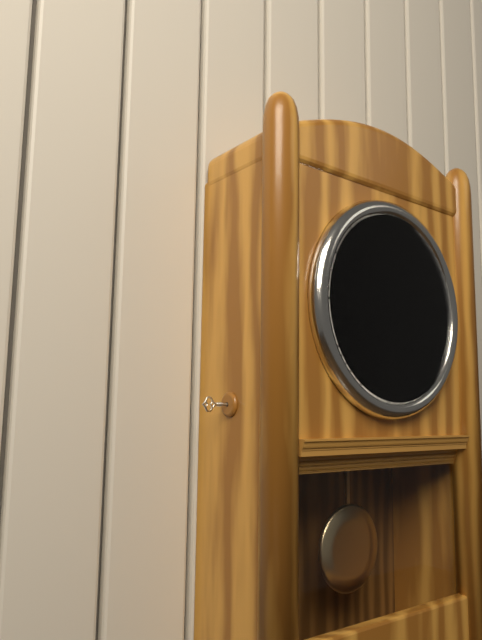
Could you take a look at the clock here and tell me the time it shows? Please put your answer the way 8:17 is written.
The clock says 3:26
